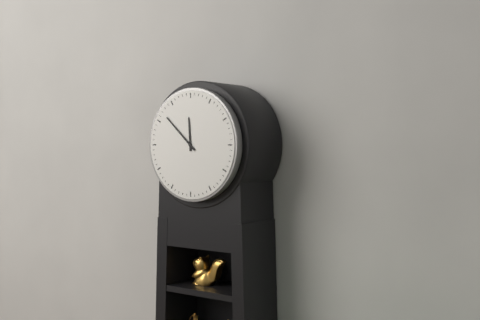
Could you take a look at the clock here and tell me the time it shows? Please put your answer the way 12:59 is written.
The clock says 11:52
